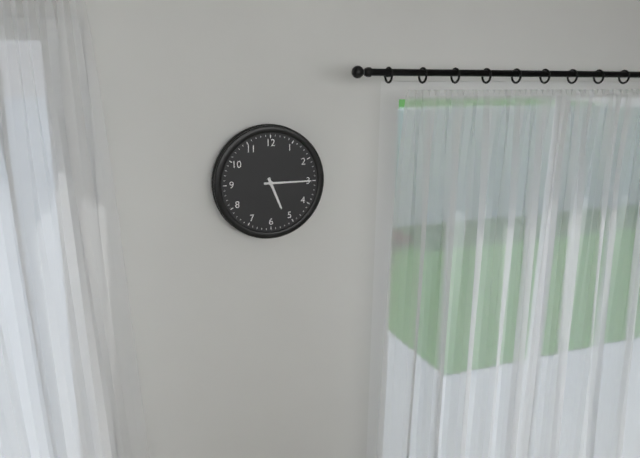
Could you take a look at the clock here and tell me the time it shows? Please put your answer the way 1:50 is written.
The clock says 5:15
